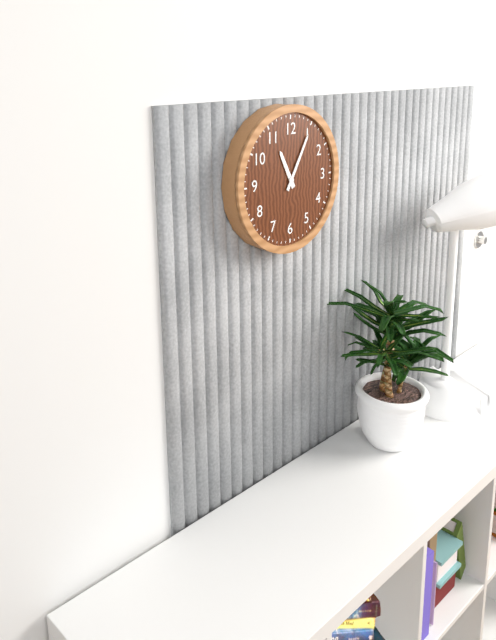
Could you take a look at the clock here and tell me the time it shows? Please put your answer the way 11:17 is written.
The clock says 11:05
